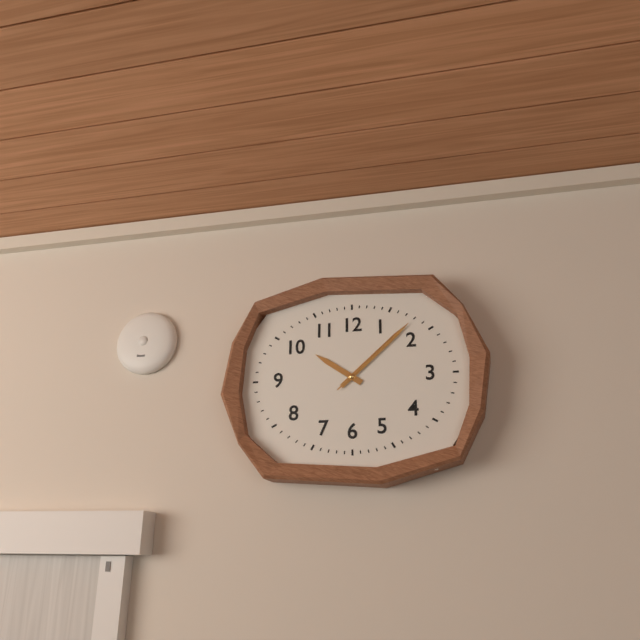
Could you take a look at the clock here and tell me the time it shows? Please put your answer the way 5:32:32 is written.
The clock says 10:08:08
